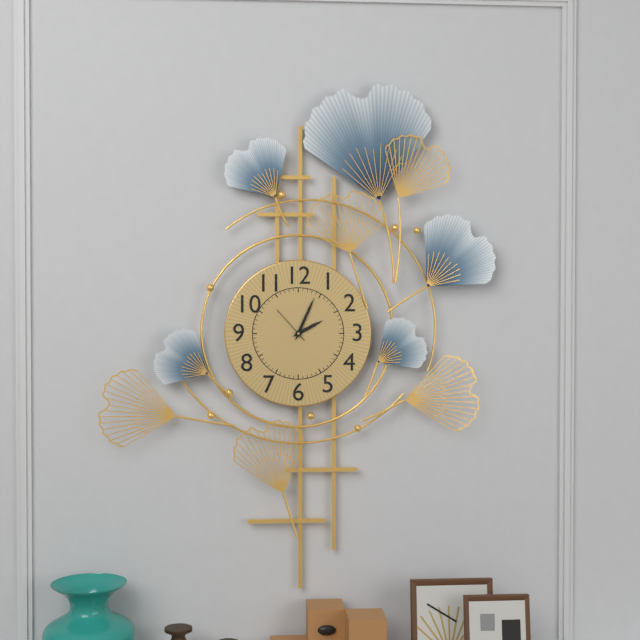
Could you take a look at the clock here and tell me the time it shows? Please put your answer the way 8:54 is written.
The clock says 2:04
